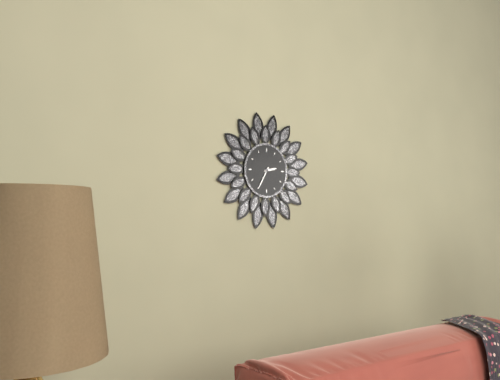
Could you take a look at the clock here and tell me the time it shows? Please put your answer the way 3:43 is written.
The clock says 2:35
